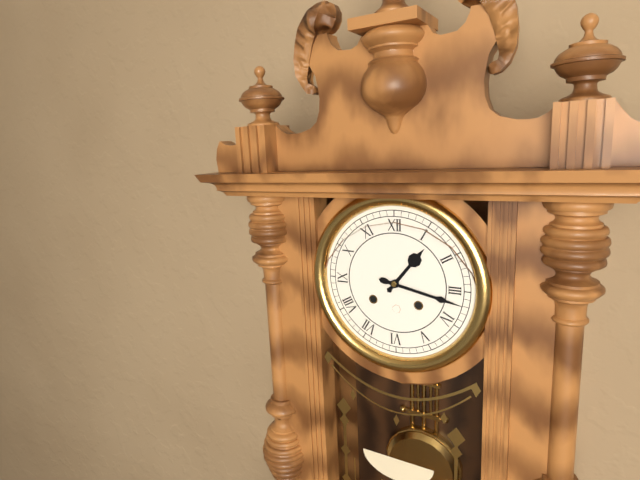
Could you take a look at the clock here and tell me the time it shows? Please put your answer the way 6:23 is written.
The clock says 1:17
